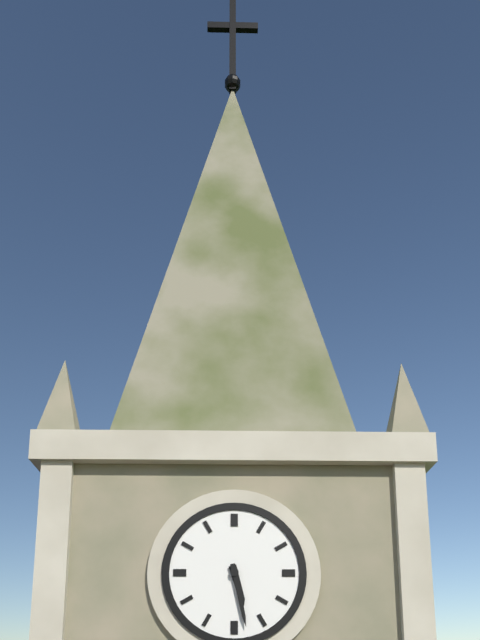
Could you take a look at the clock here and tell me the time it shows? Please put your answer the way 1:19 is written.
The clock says 5:28
